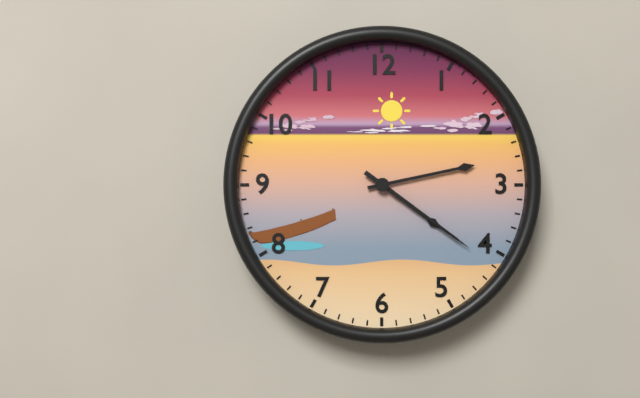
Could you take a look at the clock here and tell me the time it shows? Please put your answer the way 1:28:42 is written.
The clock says 4:13:21
